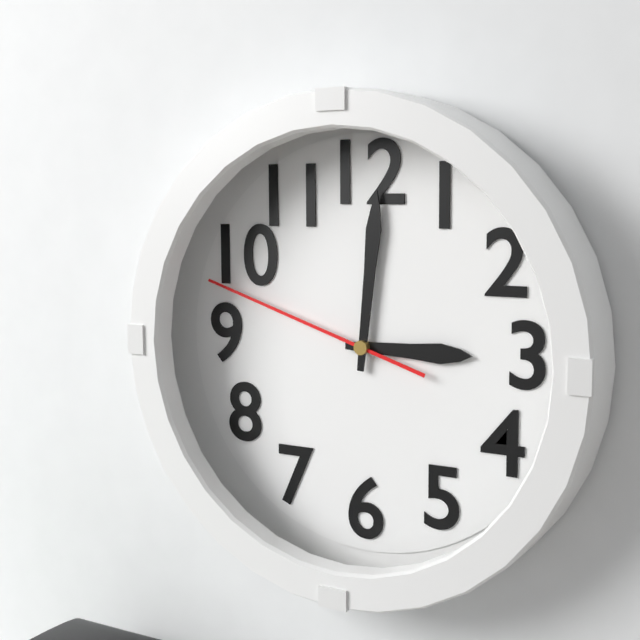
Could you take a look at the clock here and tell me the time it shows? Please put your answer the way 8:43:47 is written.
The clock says 3:01:48
